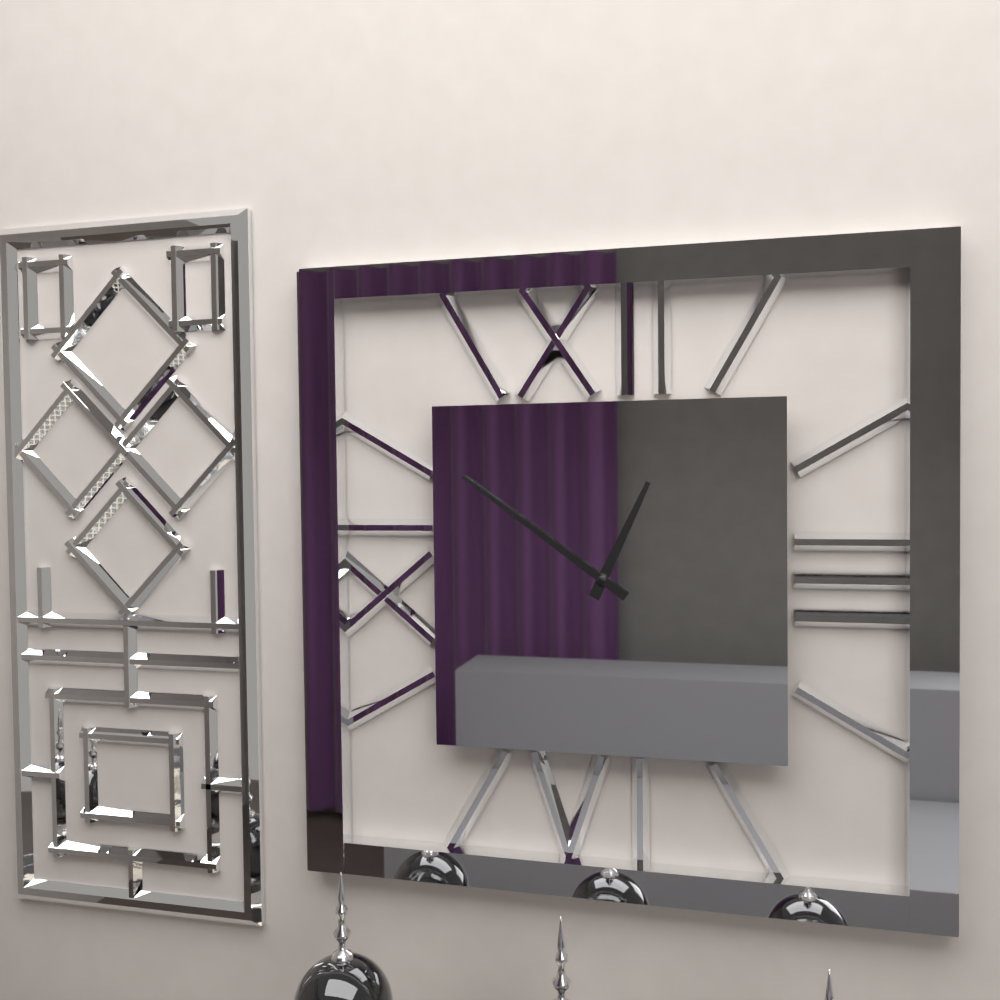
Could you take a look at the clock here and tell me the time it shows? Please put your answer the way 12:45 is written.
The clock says 12:51
